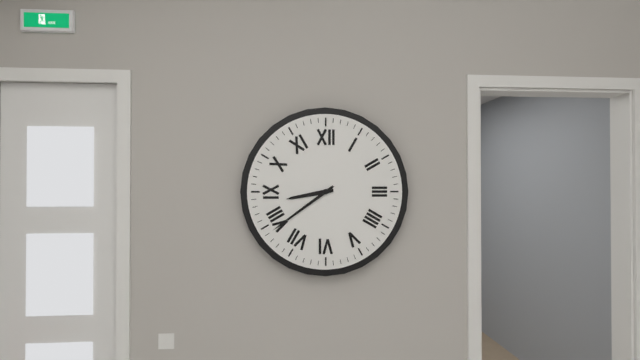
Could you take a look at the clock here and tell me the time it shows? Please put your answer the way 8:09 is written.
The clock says 8:39
